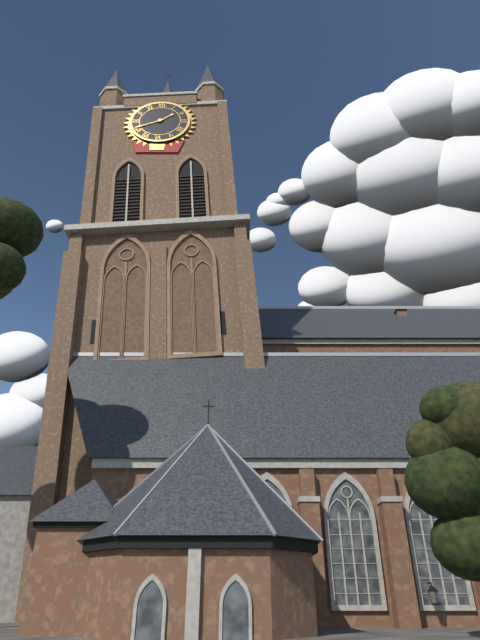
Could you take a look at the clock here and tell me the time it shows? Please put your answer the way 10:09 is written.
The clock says 1:41
